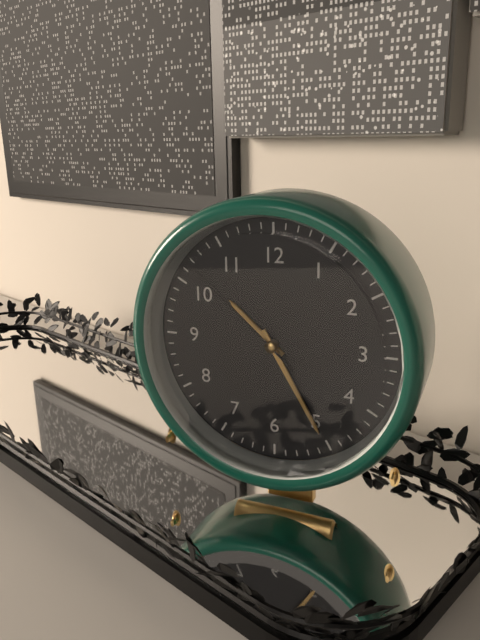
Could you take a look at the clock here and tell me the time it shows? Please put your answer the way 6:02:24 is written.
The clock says 10:25:52
